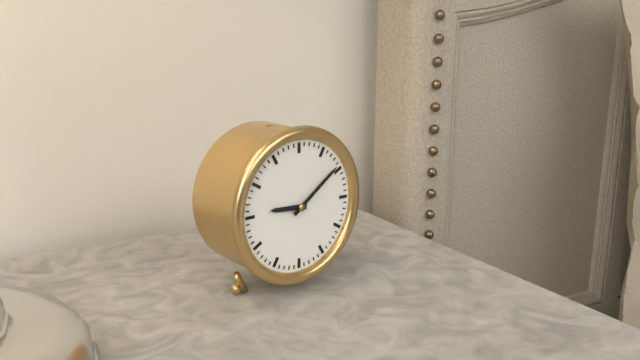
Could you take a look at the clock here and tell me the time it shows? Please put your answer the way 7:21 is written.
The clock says 9:09
